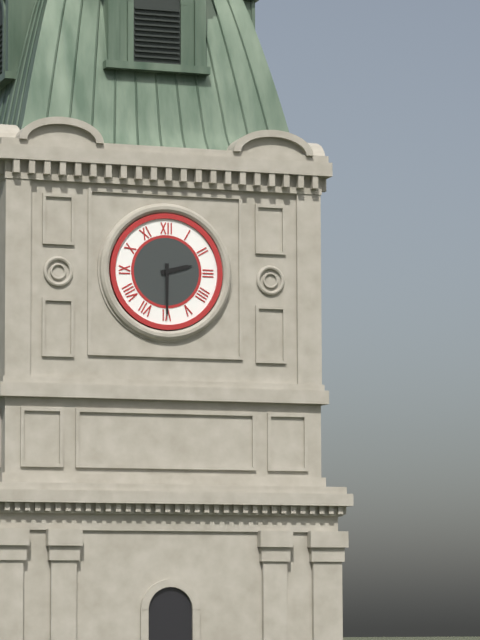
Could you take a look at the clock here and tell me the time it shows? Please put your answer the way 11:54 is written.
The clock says 2:30
